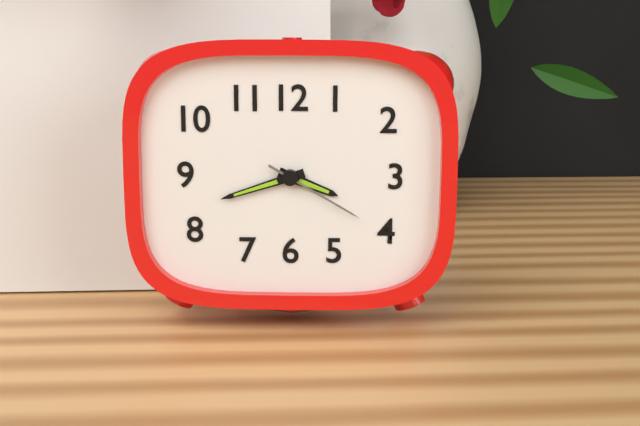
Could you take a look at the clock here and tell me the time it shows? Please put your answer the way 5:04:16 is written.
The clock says 3:42:20
